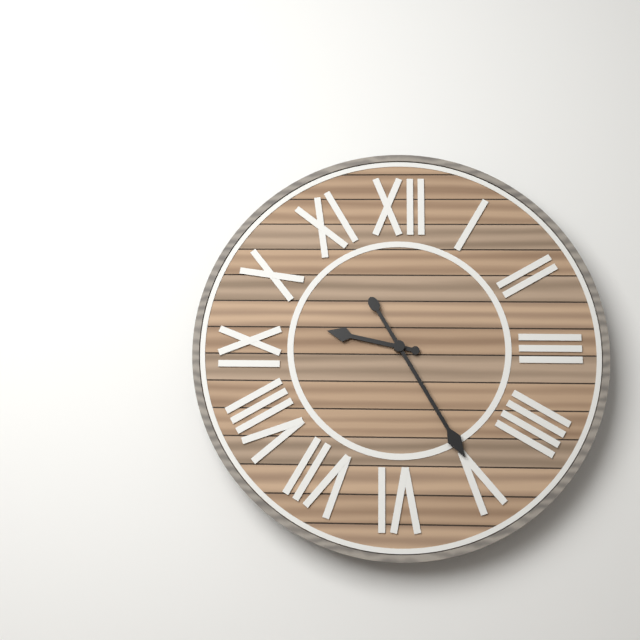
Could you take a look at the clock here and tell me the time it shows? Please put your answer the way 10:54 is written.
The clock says 9:25
